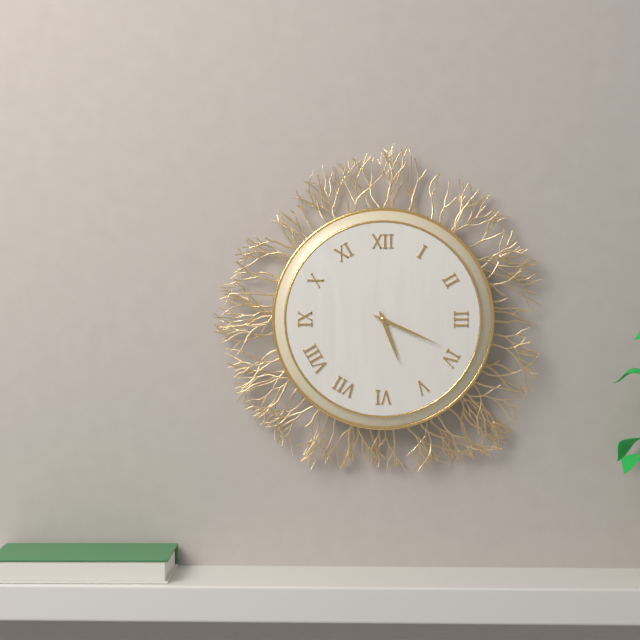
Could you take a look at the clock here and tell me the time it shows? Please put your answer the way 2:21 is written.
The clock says 5:19
